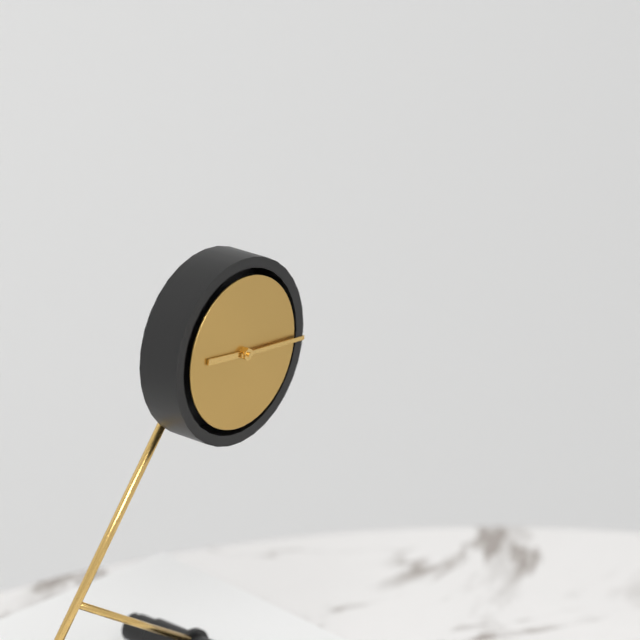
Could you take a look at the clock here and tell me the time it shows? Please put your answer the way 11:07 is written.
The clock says 9:16
